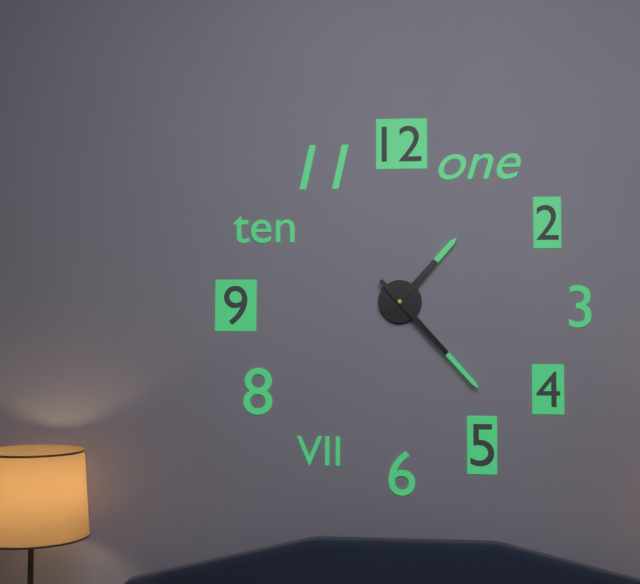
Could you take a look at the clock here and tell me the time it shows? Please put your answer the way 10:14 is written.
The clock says 1:23
